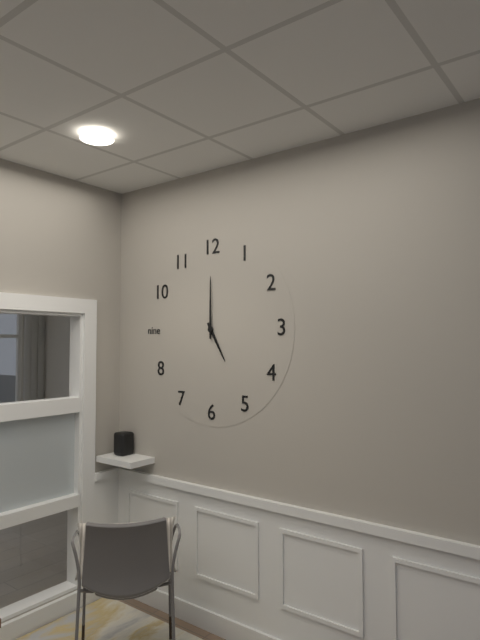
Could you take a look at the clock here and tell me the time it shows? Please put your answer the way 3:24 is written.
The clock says 5:00
